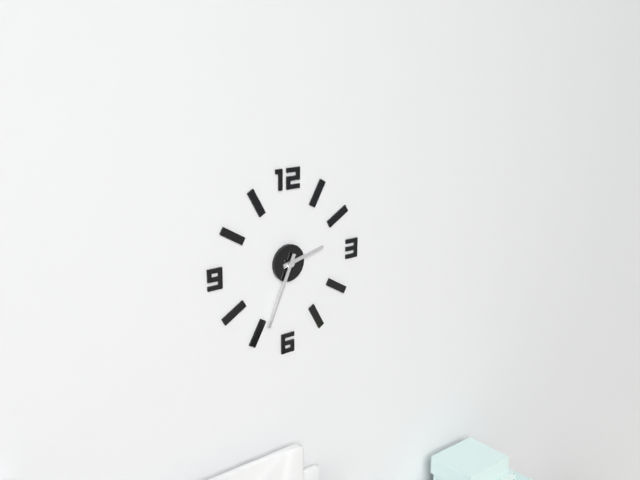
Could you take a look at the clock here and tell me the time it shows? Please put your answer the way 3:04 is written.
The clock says 2:34
